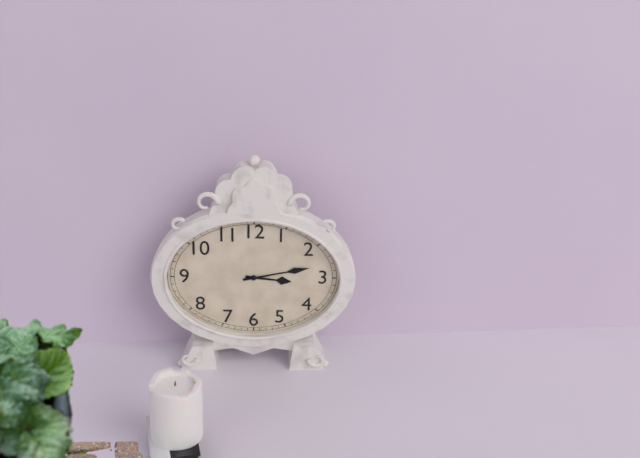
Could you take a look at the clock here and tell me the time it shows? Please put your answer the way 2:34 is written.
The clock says 3:13
